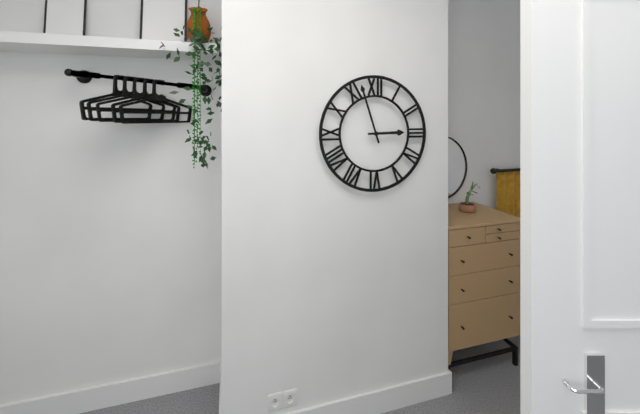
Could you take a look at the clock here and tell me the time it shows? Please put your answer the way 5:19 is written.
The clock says 2:57
